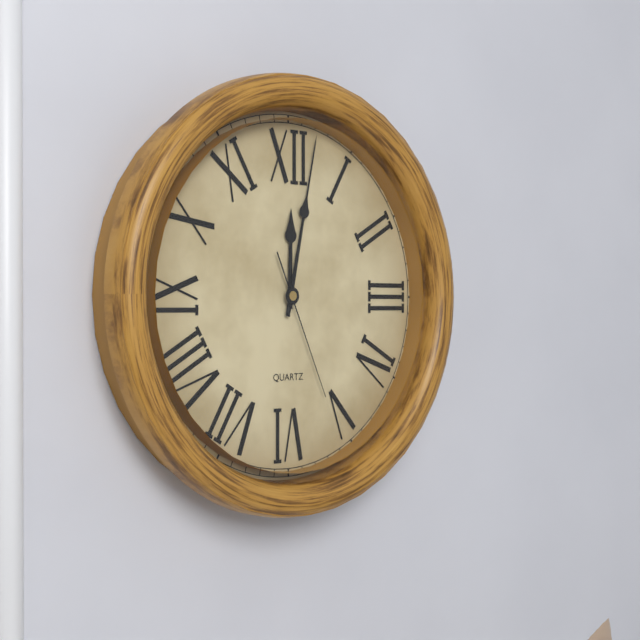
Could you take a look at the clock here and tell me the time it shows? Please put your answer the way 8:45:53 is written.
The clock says 12:02:26
